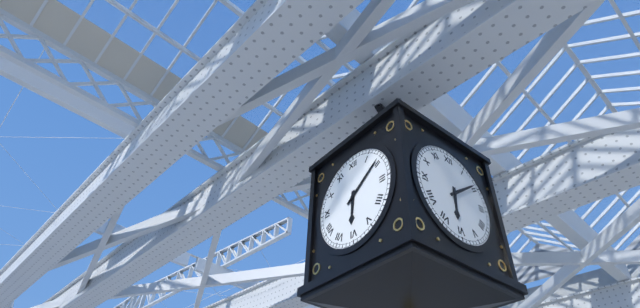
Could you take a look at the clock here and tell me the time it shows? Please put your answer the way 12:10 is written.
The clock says 6:09
